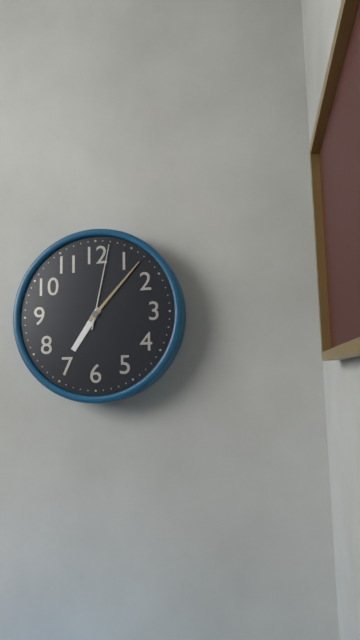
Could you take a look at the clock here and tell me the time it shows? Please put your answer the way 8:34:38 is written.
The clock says 7:07:02
